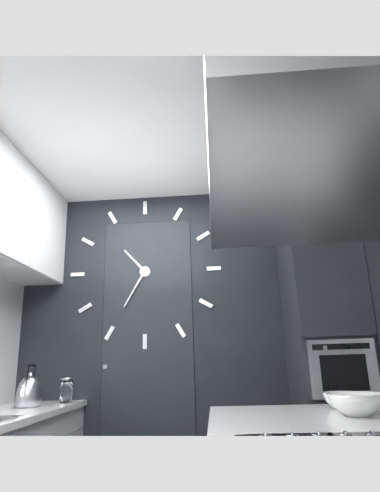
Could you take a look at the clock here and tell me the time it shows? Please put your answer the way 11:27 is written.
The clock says 10:35
